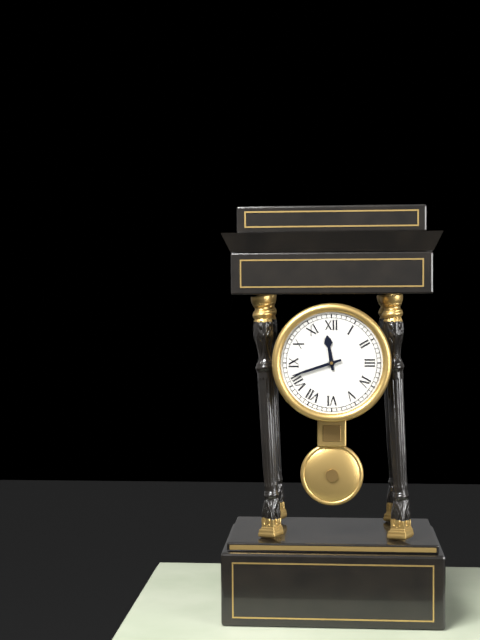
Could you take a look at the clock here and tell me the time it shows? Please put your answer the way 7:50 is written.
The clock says 11:42
